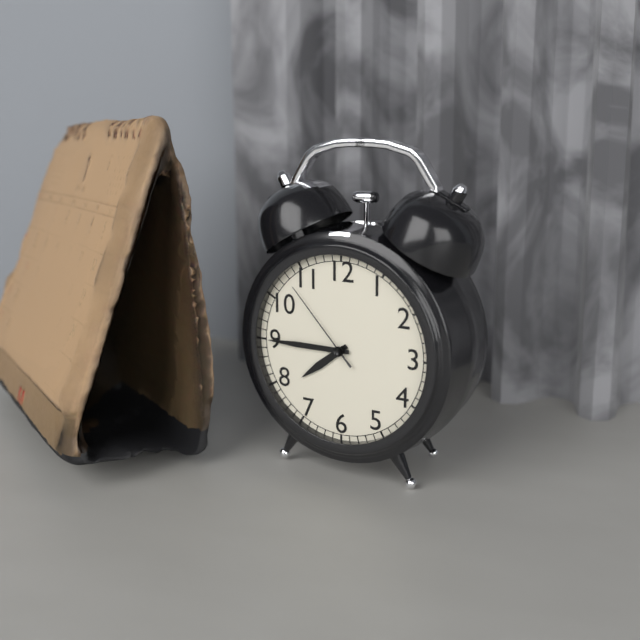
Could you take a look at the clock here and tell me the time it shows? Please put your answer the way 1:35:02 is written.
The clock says 7:45:53
